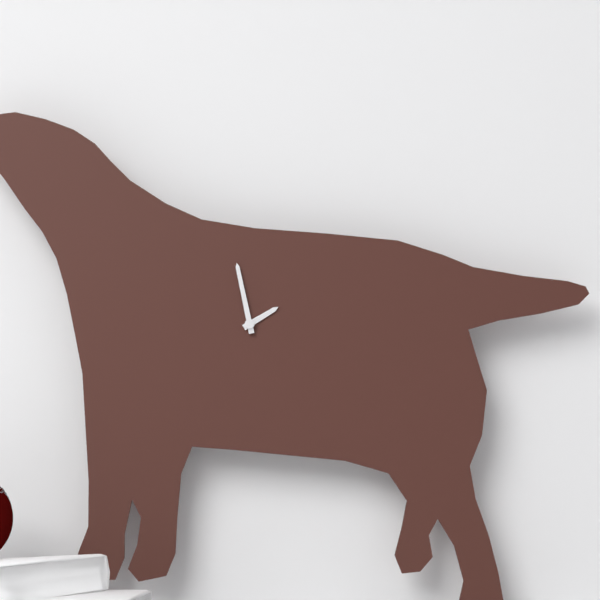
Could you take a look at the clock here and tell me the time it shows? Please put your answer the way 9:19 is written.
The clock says 1:58
